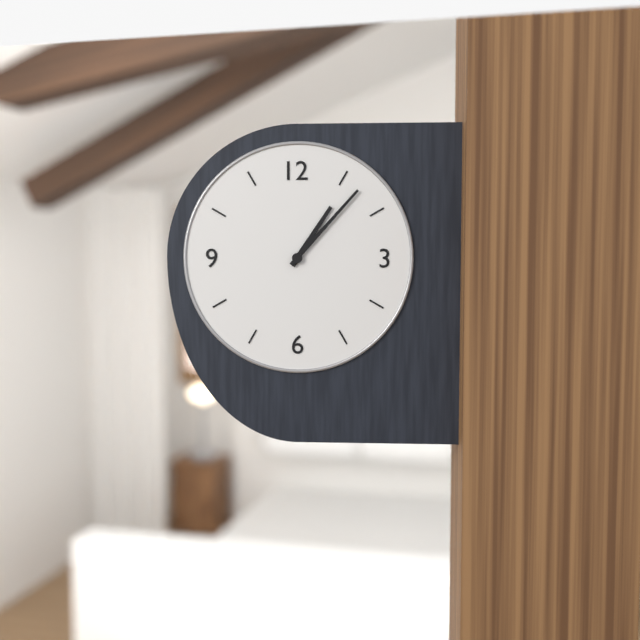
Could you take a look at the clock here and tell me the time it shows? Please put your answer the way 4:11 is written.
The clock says 1:07
